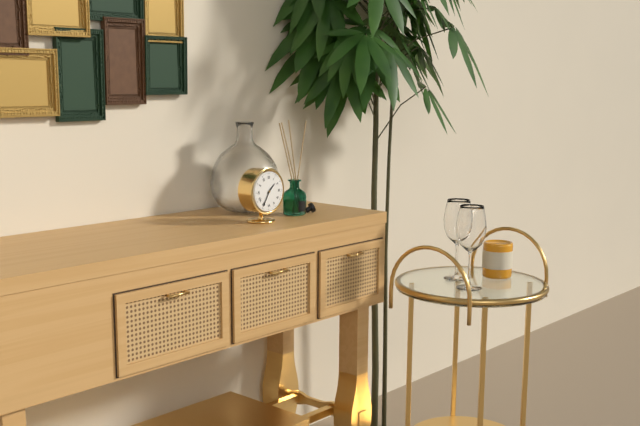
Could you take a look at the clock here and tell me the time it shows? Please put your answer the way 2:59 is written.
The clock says 1:35
